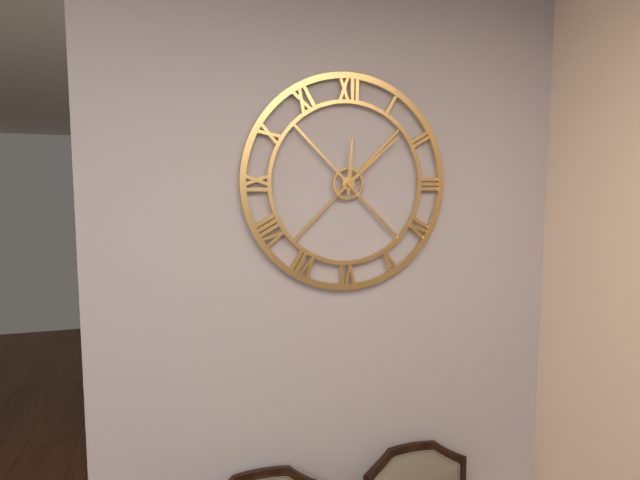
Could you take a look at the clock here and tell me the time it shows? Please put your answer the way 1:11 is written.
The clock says 12:08
